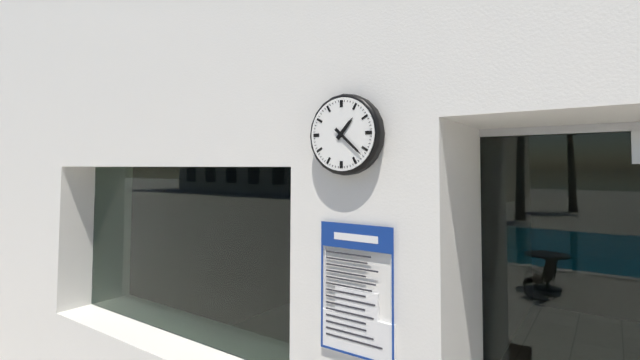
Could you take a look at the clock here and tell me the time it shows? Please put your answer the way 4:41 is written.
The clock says 1:22
